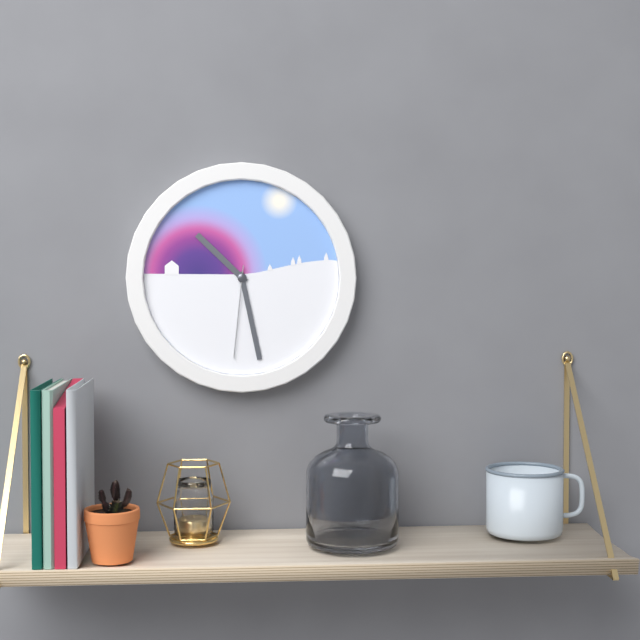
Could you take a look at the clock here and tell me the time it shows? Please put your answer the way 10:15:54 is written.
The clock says 10:28:31
